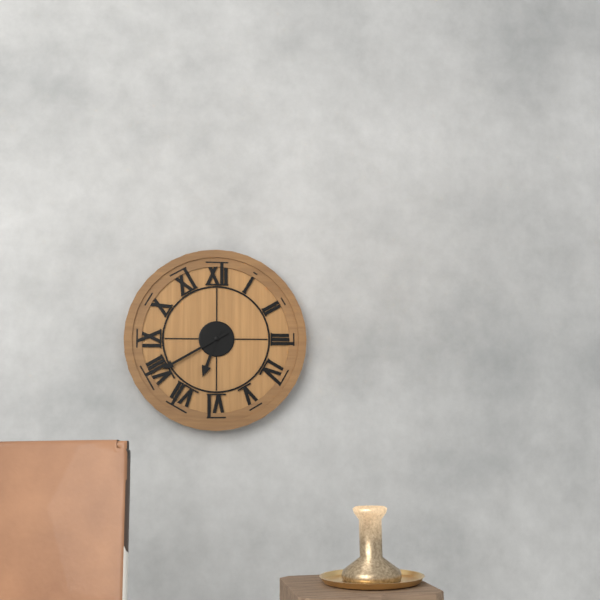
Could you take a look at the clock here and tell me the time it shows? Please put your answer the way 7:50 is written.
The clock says 6:40
